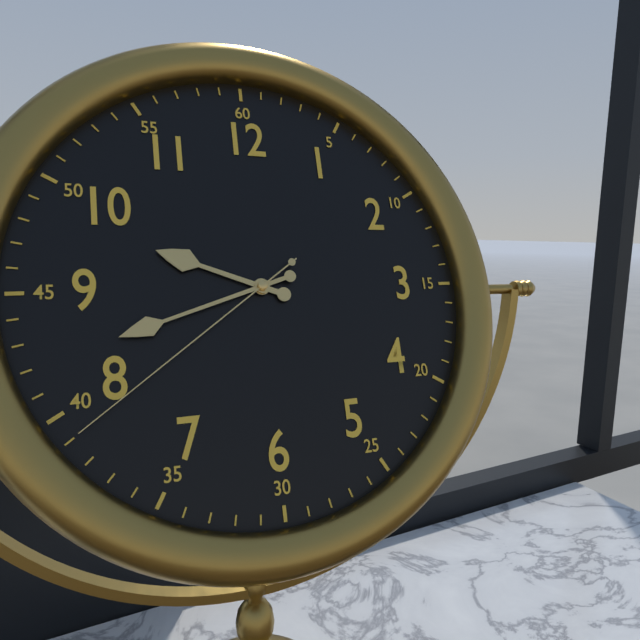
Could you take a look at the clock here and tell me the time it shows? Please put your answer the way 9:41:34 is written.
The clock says 9:42:39
